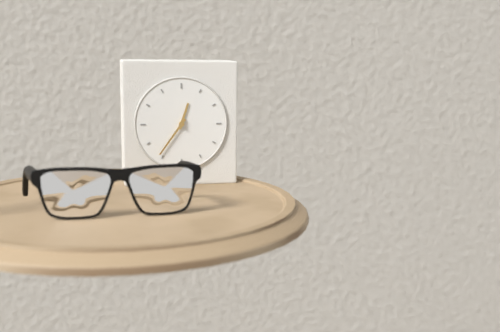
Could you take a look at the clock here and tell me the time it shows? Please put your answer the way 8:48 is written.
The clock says 12:36
